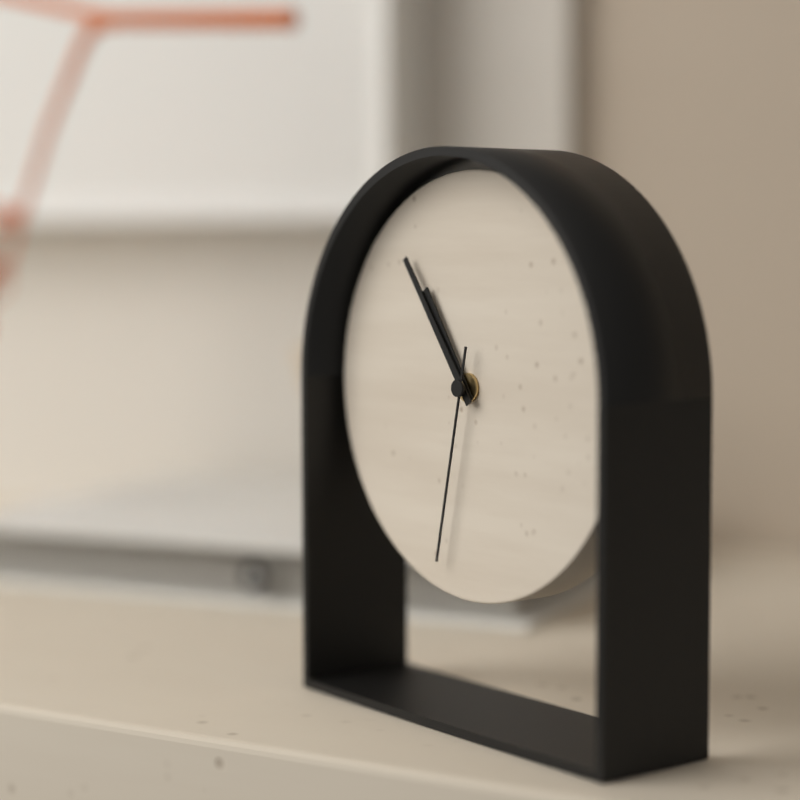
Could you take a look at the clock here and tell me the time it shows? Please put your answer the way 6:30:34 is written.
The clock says 10:54:32
